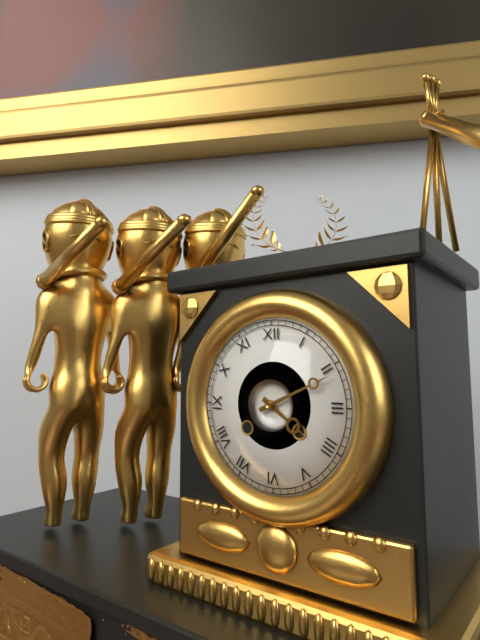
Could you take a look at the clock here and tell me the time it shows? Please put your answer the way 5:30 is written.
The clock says 4:11
